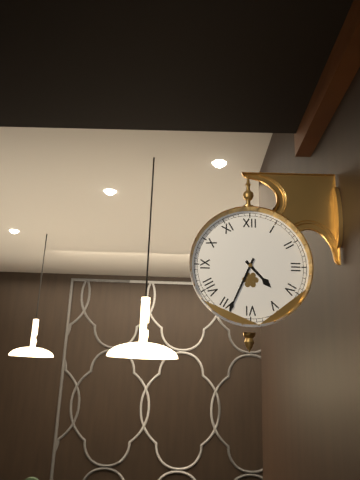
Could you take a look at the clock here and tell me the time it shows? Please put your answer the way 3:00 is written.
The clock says 4:34
